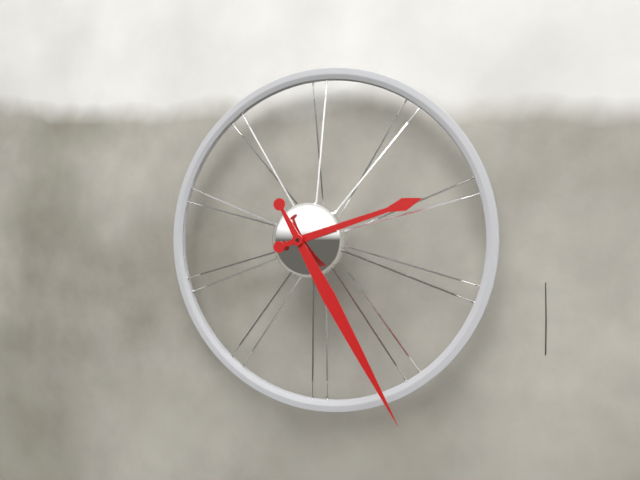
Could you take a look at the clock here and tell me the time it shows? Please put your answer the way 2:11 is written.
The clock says 2:25
